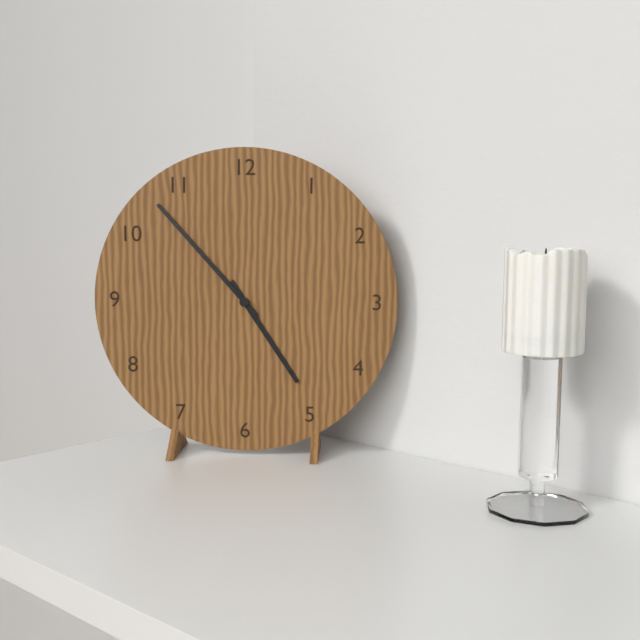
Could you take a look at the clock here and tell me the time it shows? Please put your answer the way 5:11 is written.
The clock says 4:53
